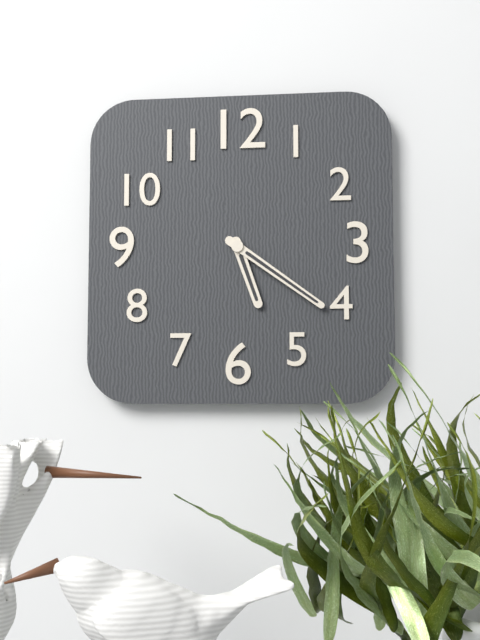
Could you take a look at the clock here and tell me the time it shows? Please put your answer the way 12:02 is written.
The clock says 5:21
